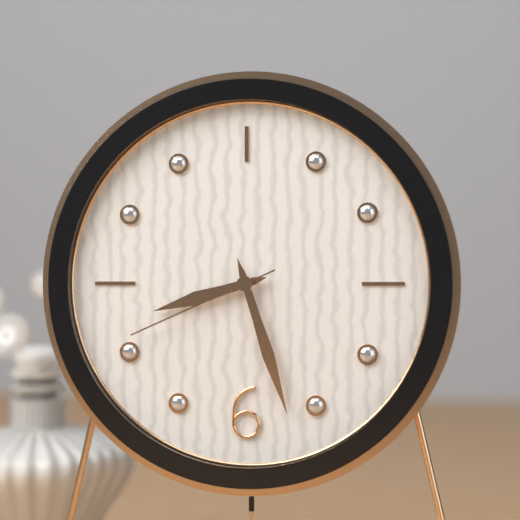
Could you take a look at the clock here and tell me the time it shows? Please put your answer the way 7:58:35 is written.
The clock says 8:27:41
